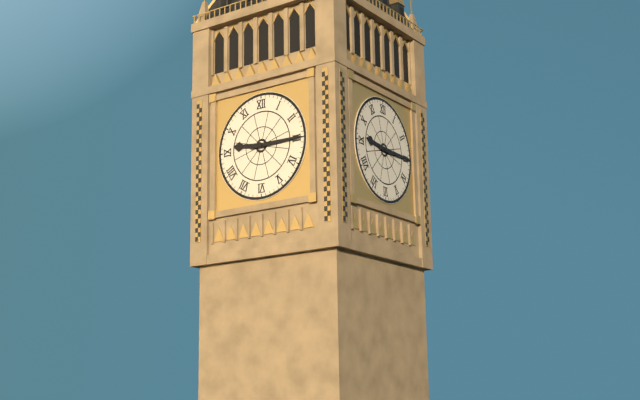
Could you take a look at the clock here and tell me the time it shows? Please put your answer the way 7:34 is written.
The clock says 9:15
